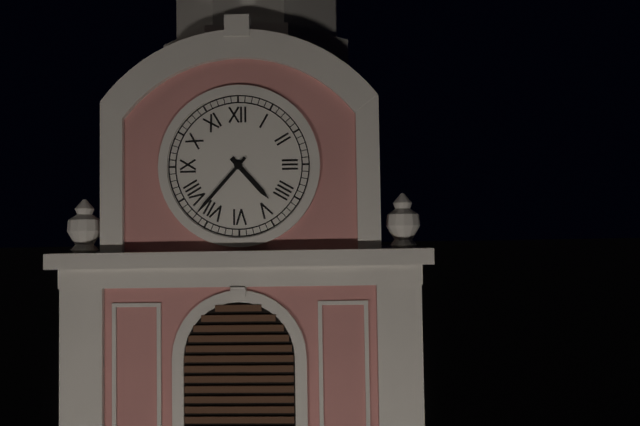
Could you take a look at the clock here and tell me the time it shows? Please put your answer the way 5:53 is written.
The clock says 4:37
